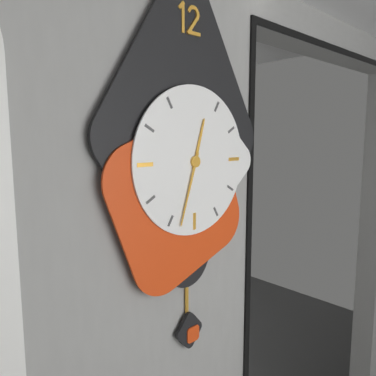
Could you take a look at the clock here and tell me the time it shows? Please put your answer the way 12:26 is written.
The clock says 12:33
